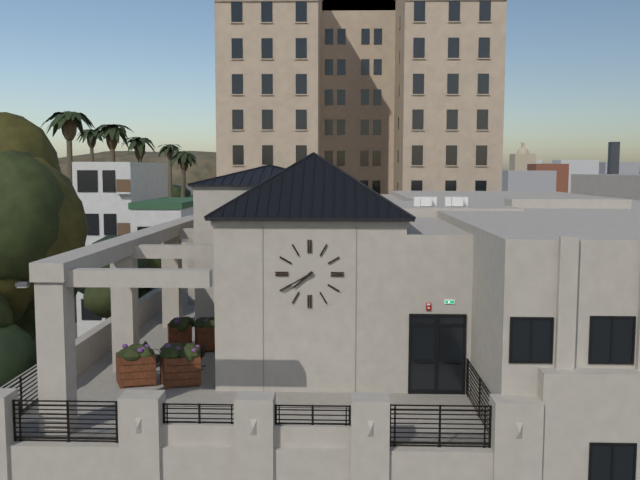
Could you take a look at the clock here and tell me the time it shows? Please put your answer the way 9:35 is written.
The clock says 7:40
